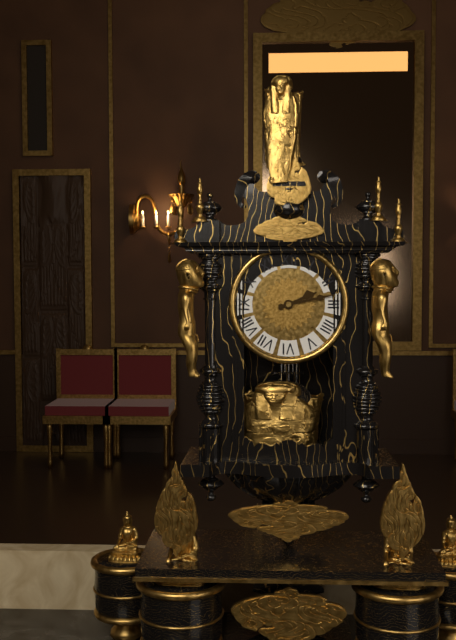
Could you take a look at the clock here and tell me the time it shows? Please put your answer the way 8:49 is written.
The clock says 2:13
